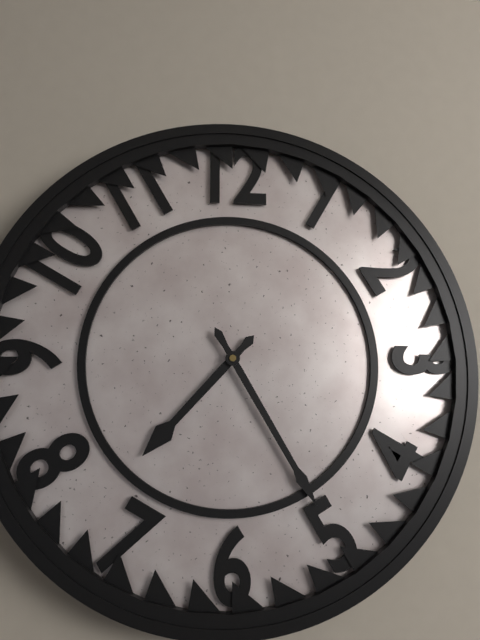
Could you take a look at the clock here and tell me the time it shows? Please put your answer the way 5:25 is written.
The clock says 7:25
